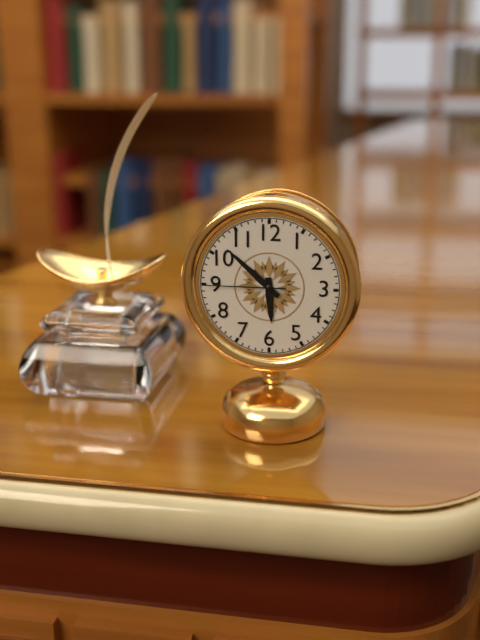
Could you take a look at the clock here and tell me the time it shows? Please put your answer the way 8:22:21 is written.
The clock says 5:52:45
